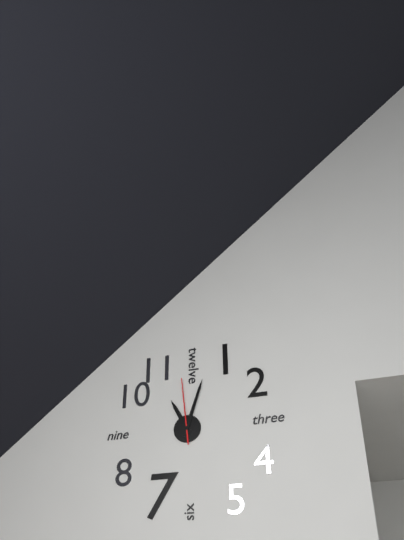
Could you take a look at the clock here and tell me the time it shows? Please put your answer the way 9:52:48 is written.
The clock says 11:03:59
